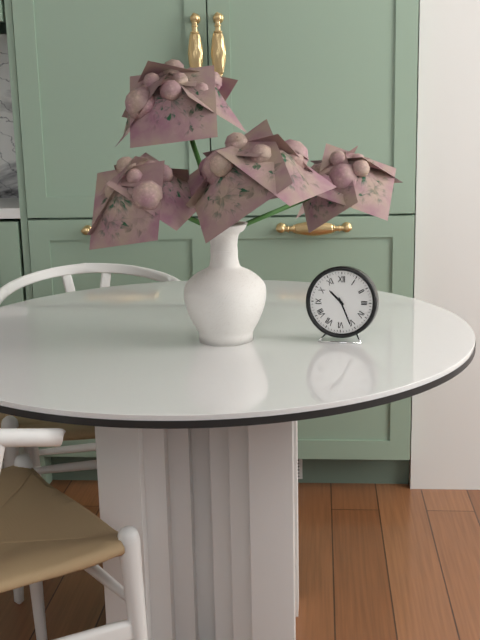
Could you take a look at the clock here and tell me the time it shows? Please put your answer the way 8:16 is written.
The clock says 10:26
